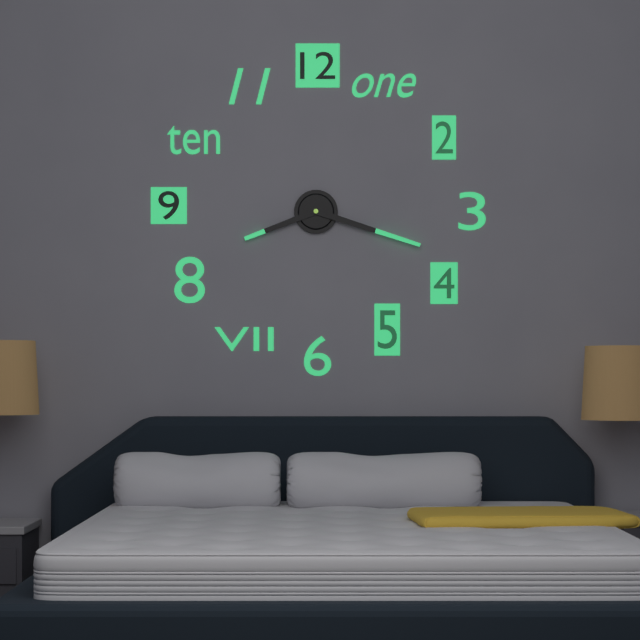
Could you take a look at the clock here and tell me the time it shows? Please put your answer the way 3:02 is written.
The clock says 8:18
